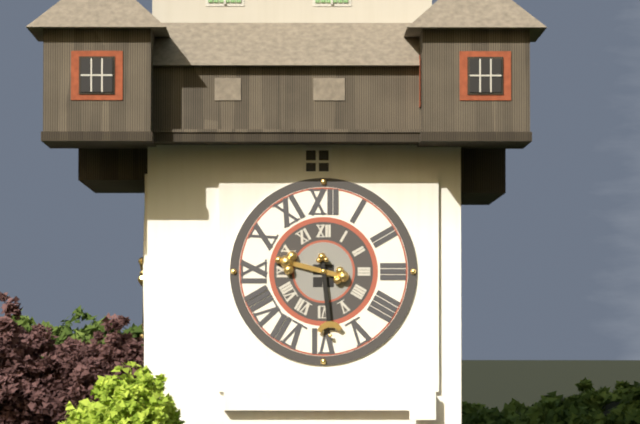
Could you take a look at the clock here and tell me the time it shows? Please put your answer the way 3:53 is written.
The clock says 9:29
